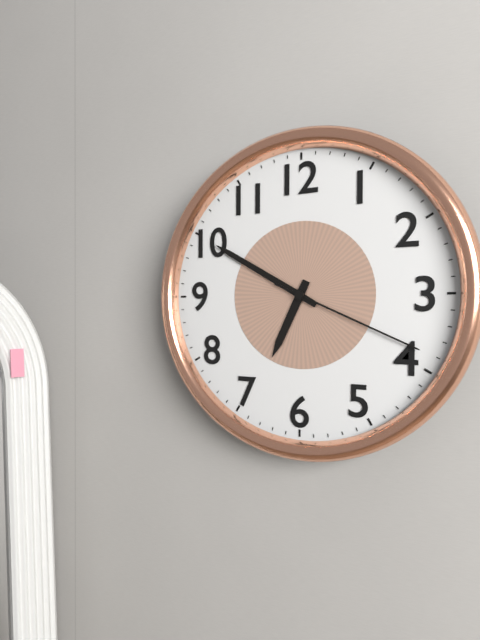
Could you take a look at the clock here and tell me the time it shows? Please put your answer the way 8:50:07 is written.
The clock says 6:50:19
